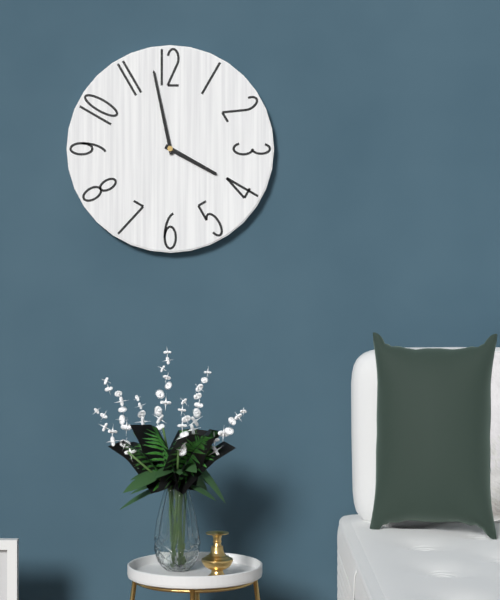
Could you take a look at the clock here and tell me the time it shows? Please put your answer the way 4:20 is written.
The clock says 3:58
